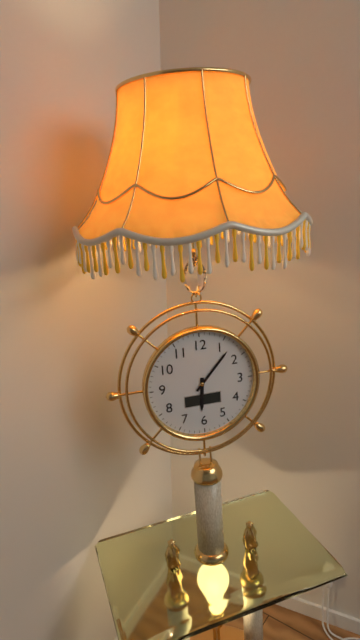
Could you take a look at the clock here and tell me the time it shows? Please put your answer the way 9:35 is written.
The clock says 6:07
